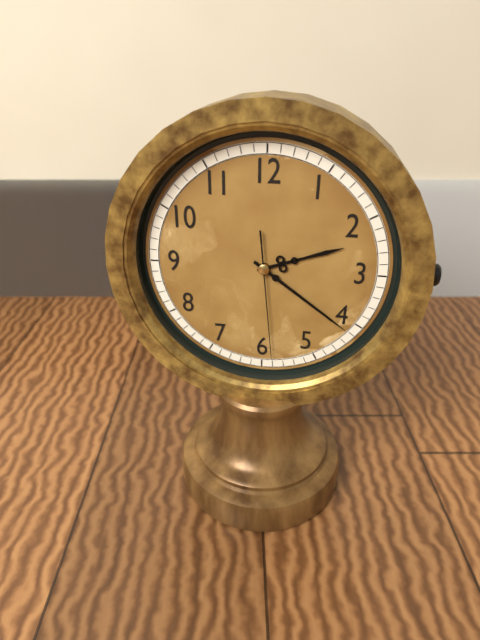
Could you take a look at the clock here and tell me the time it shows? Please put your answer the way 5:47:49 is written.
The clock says 2:21:29
